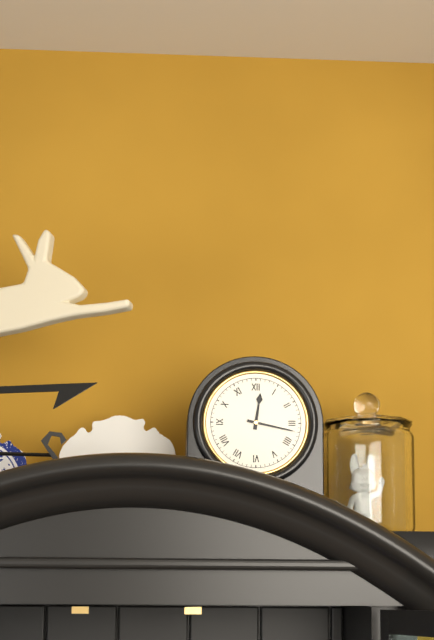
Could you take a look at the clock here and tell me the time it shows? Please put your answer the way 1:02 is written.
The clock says 12:17
